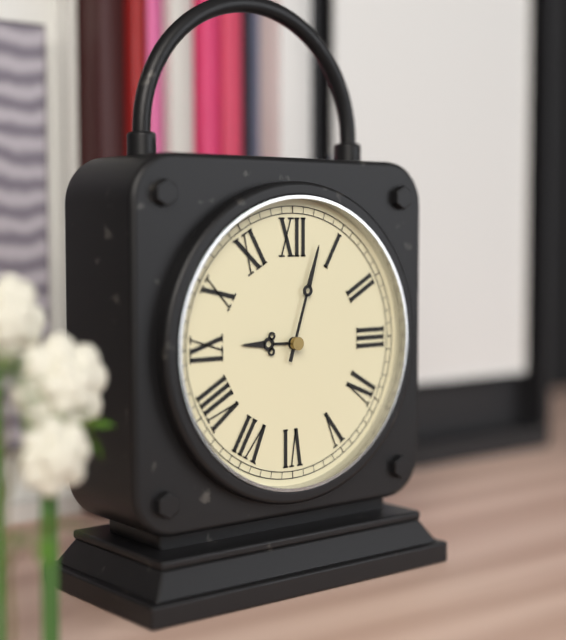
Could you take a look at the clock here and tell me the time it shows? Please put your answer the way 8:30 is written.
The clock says 9:03
